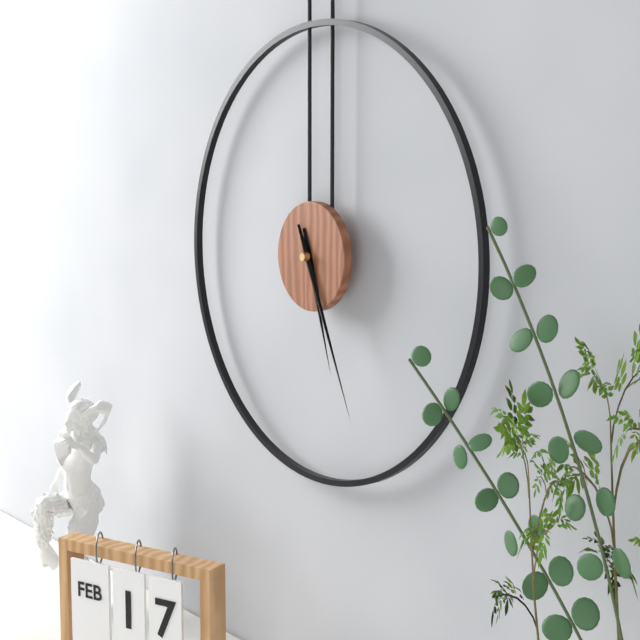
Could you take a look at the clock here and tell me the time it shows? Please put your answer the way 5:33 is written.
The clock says 5:26
